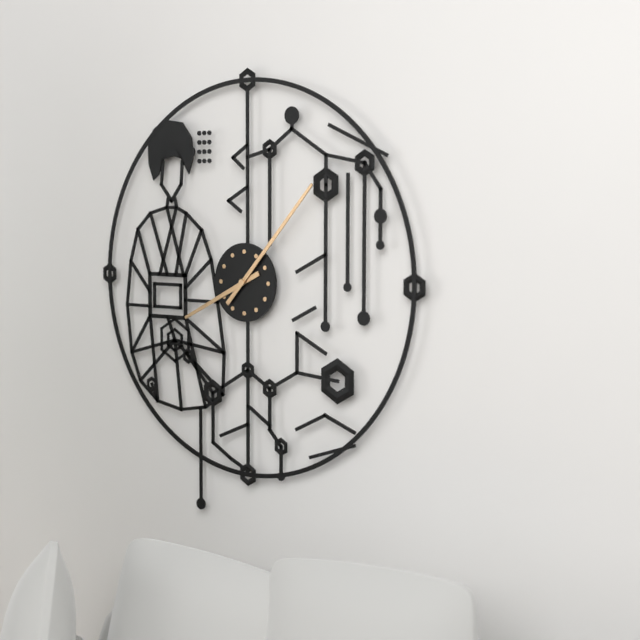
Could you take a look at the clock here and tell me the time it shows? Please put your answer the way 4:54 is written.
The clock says 8:07
